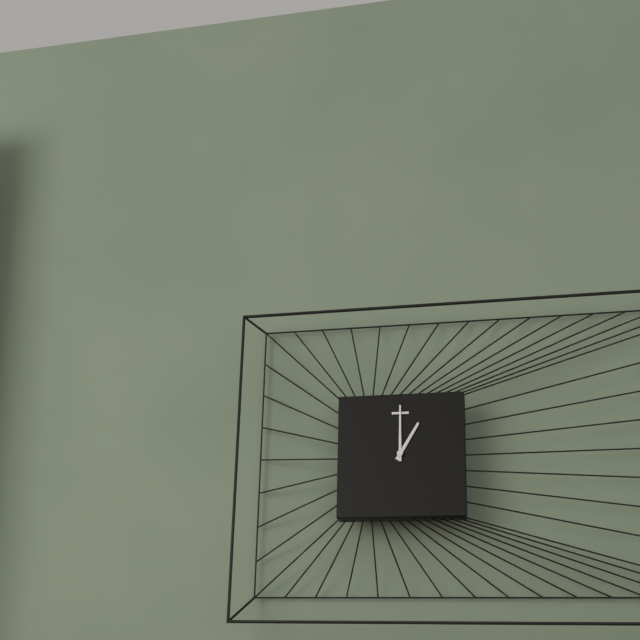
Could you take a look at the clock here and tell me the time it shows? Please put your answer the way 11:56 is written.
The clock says 1:00
